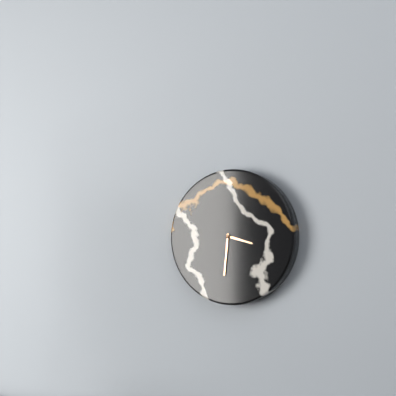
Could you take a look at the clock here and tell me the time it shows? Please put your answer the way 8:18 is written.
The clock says 3:31
